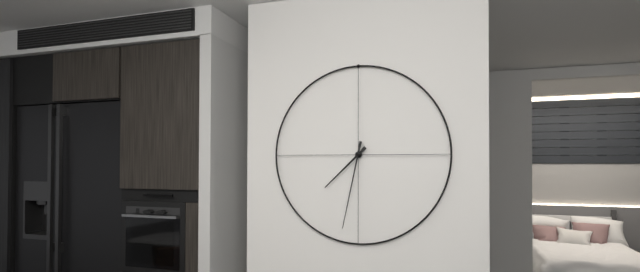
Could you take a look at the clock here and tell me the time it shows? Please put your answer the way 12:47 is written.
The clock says 7:32
